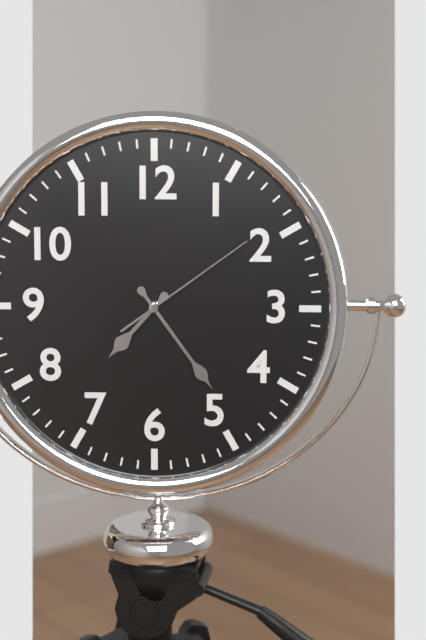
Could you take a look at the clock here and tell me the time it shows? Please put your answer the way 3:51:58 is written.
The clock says 7:24:09
